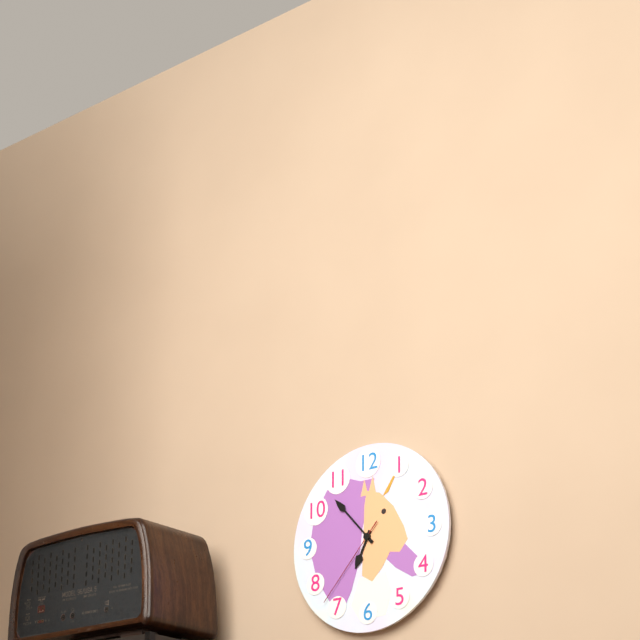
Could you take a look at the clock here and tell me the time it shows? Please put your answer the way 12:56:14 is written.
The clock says 6:53:37
